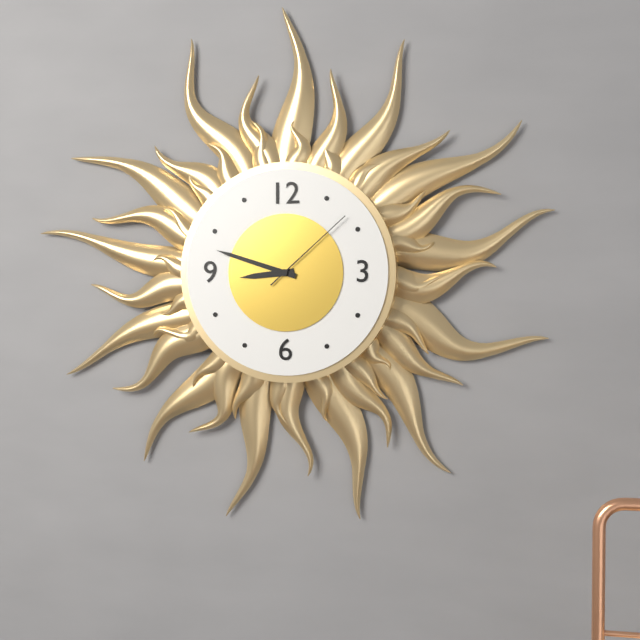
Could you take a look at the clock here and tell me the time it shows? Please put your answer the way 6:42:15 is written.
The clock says 8:48:08
